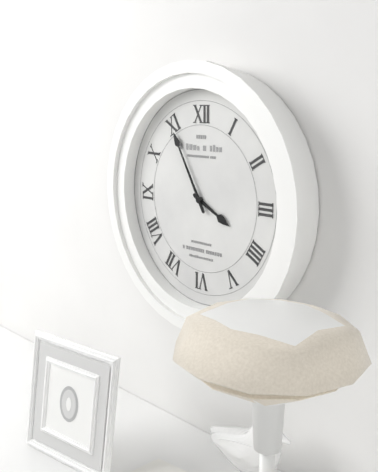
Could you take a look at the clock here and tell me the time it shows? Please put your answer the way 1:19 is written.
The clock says 3:55
